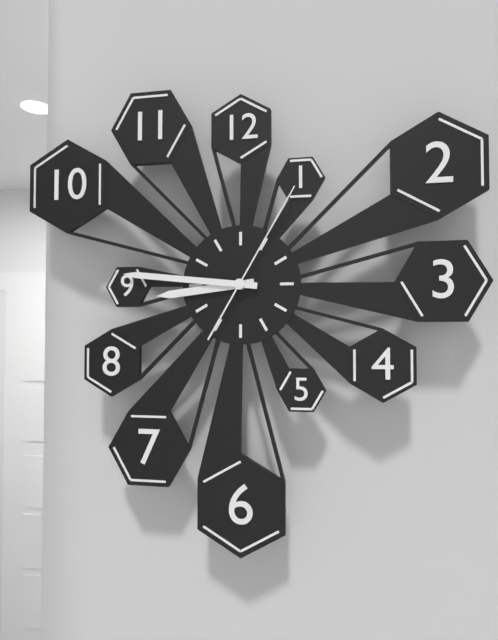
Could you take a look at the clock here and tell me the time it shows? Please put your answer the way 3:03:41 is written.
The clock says 8:46:05
